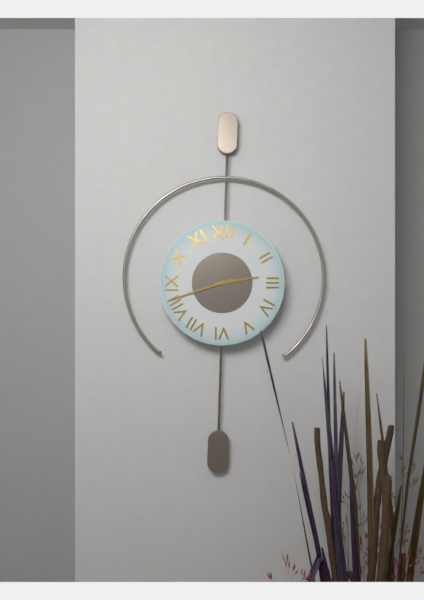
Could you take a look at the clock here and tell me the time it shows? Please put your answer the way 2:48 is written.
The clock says 2:42
